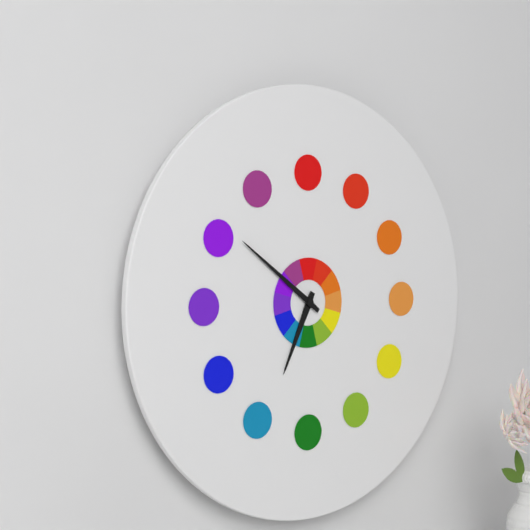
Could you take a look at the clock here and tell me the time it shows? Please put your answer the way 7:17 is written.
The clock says 6:51
